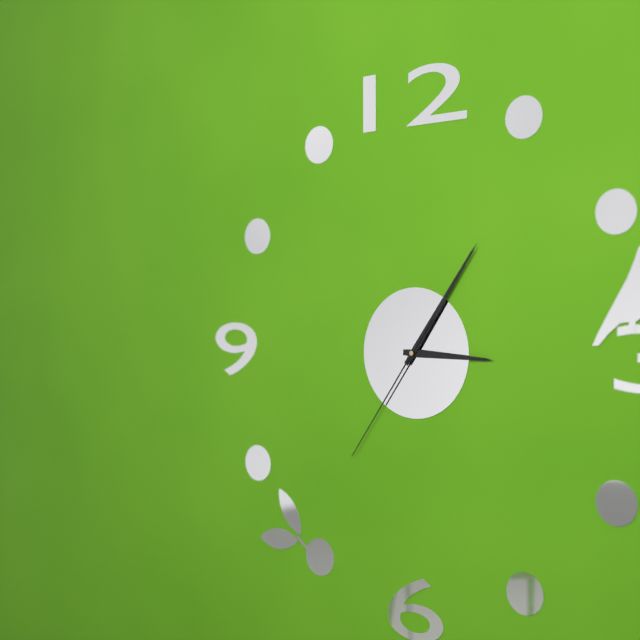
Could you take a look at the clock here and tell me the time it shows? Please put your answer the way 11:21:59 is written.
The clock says 3:06:36
